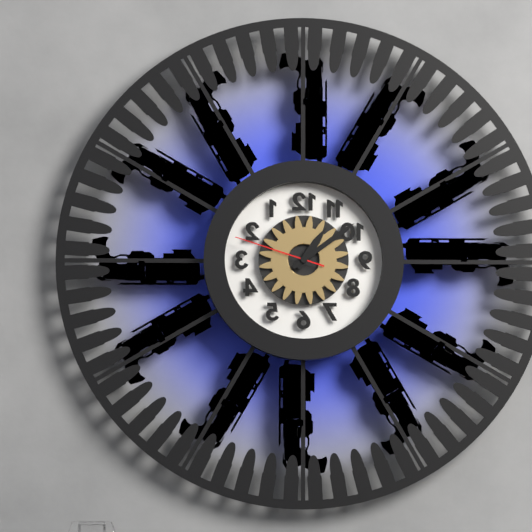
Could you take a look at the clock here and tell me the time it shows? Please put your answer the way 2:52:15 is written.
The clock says 1:09:48
